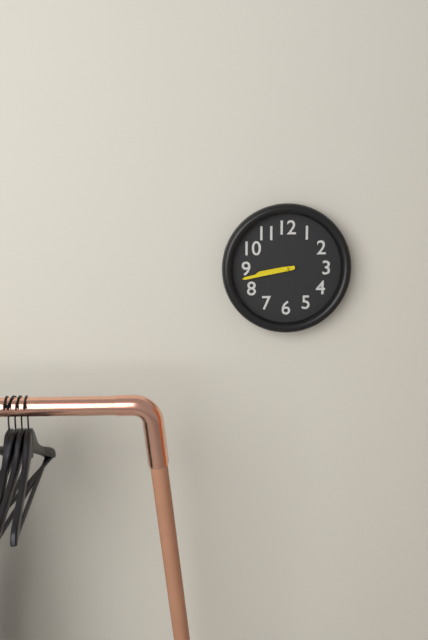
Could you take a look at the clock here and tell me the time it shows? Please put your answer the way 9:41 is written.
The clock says 8:43
